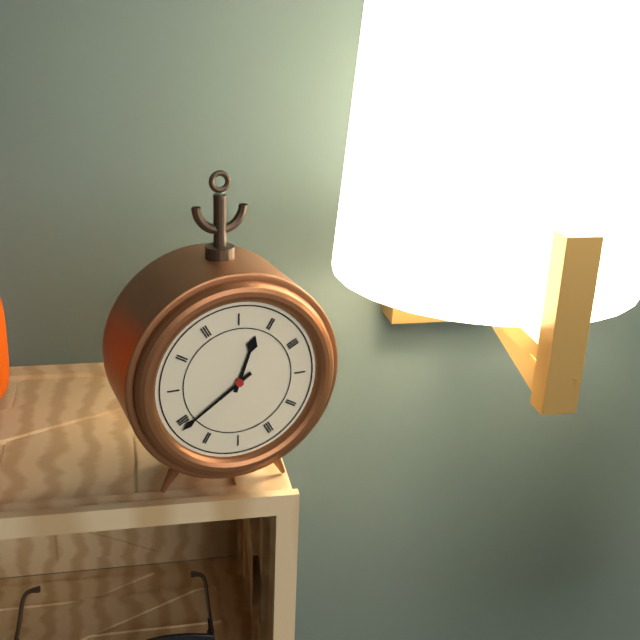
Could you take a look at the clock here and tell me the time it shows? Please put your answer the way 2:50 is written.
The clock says 12:39
